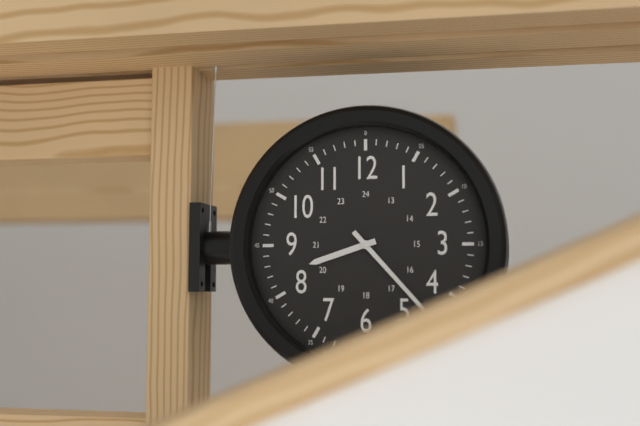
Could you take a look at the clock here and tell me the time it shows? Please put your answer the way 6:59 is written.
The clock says 8:23
